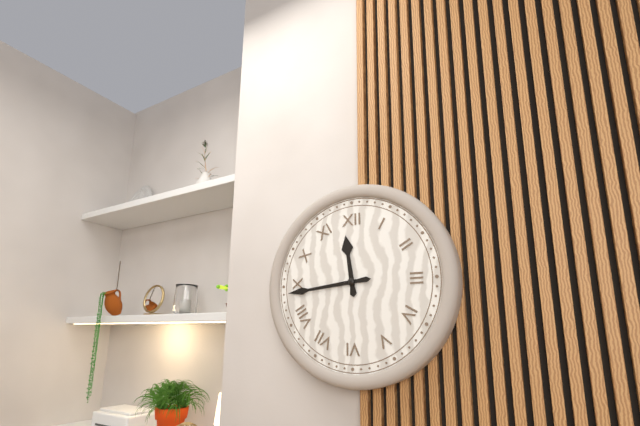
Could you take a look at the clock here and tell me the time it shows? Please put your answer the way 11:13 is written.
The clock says 11:44
